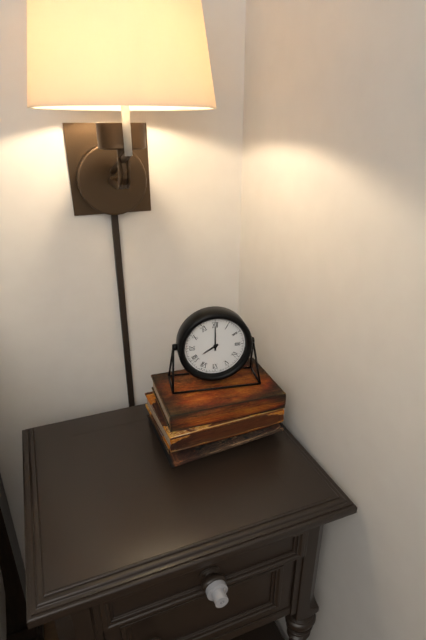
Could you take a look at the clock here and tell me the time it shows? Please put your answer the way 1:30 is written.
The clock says 8:00
